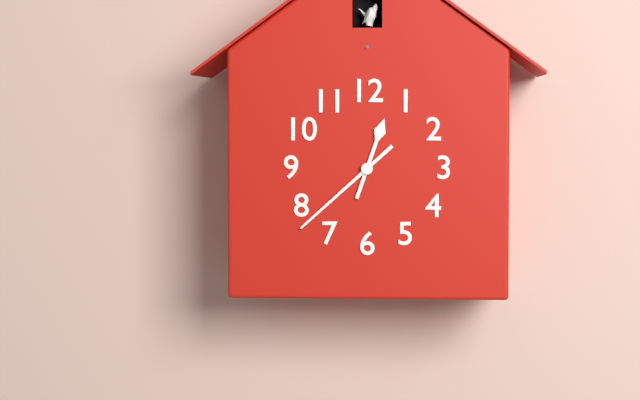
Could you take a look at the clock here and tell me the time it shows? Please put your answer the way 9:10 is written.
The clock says 12:38
